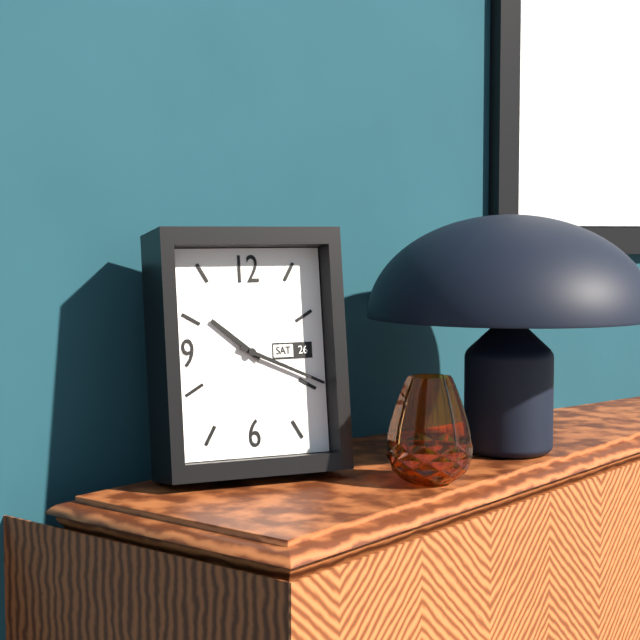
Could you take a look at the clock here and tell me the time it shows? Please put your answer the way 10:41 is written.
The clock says 10:19
